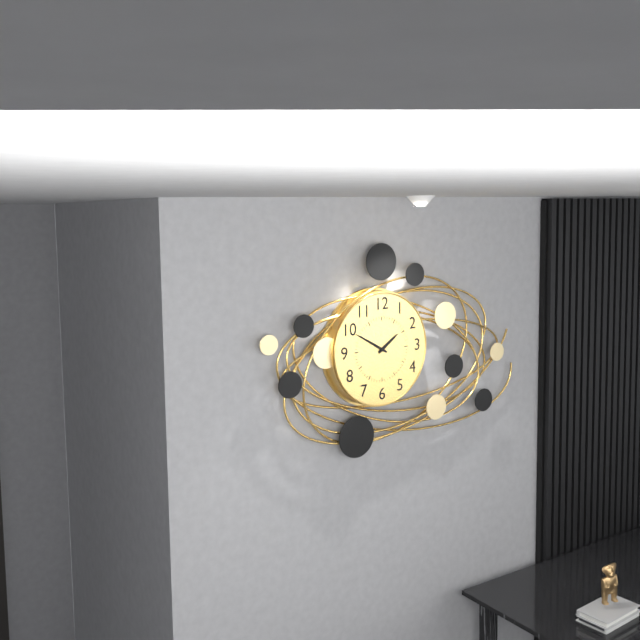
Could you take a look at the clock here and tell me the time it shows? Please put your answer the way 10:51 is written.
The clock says 1:50
